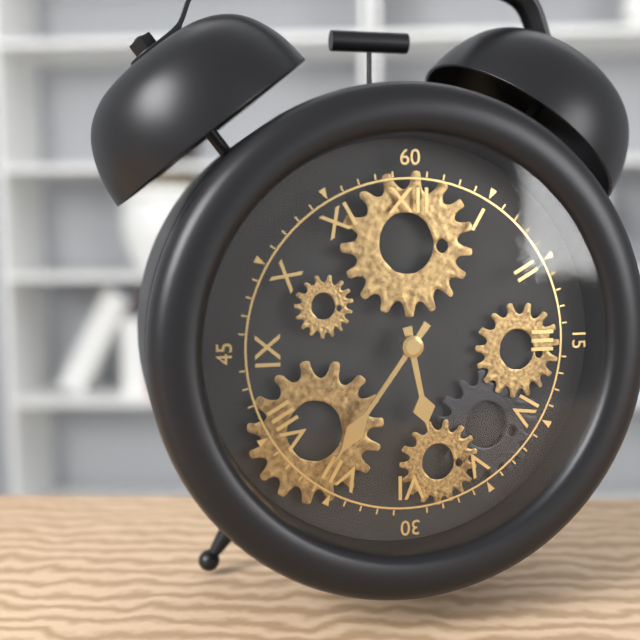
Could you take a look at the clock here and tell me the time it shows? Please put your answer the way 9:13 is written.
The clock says 5:36
